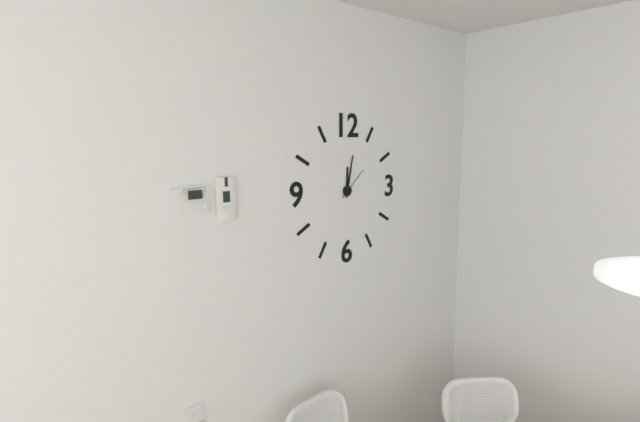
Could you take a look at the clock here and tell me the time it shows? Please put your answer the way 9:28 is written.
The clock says 12:02
